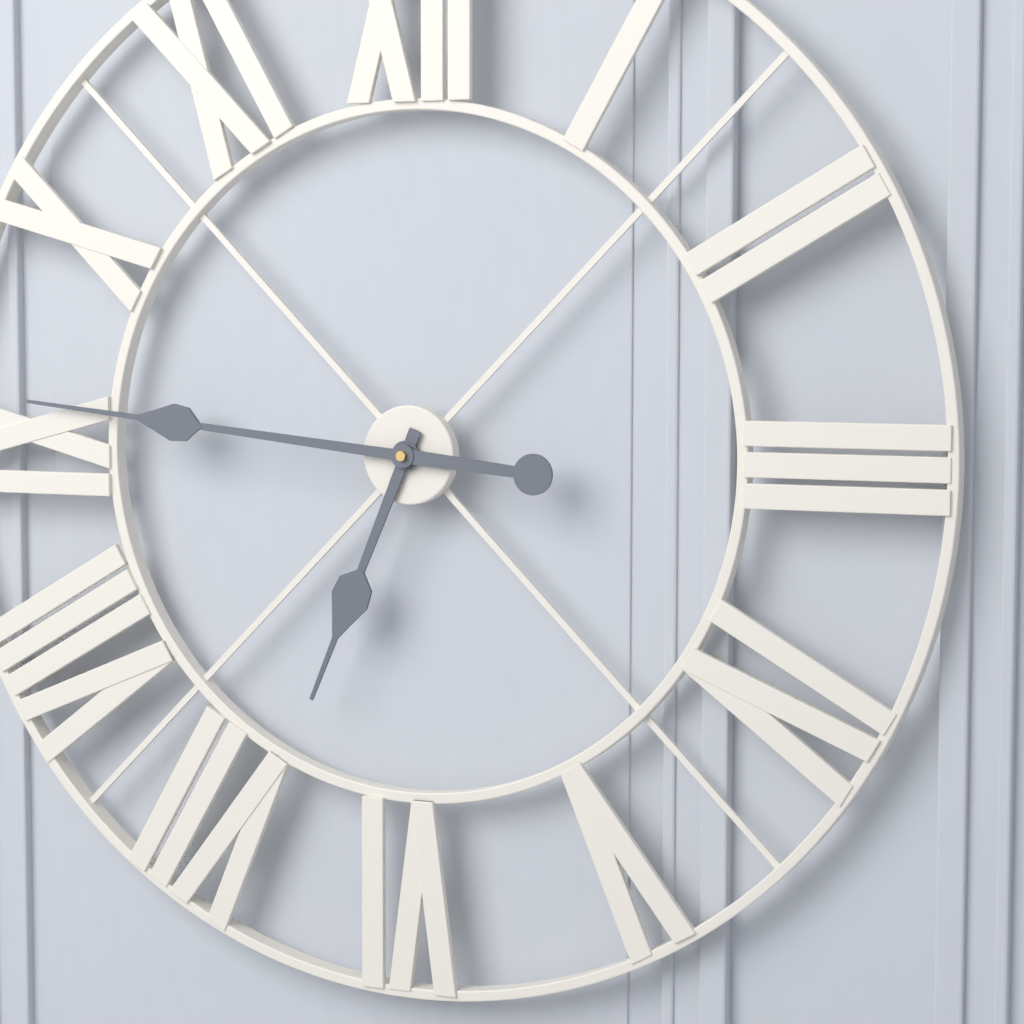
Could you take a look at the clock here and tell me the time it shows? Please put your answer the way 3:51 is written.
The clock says 6:46
